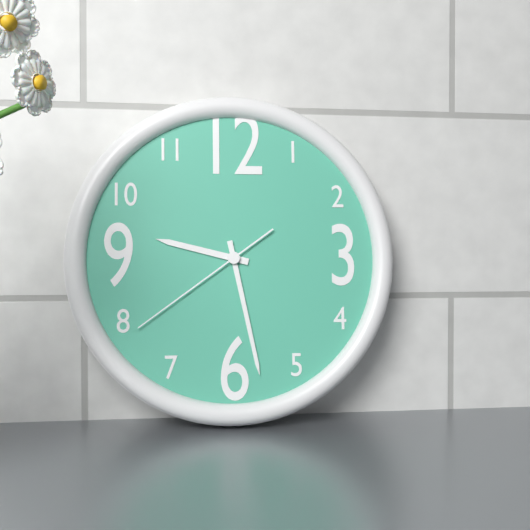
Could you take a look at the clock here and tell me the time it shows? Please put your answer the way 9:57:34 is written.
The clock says 9:28:39
